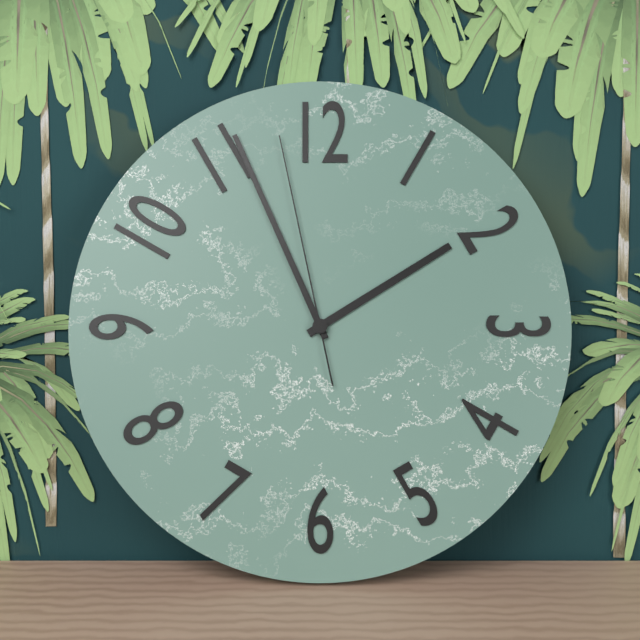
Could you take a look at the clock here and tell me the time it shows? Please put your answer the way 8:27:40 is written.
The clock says 1:56:58
